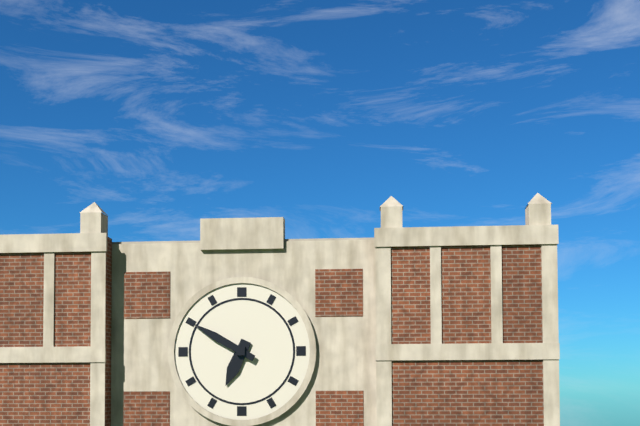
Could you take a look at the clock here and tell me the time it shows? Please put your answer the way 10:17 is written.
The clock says 6:50
